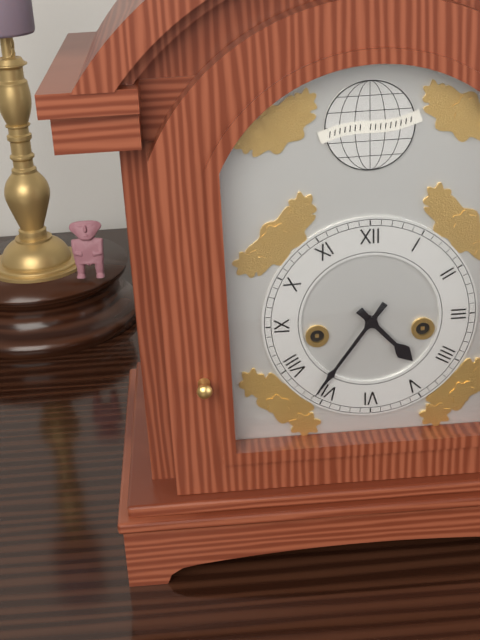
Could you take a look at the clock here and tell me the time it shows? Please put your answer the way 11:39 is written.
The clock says 4:36
